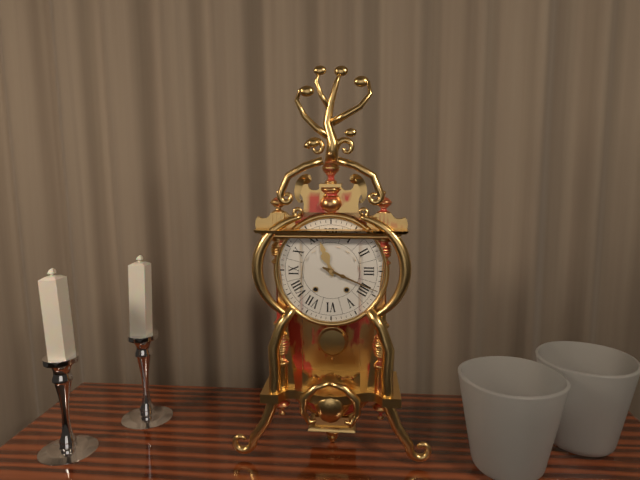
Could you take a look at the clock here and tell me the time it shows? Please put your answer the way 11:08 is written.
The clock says 11:19
